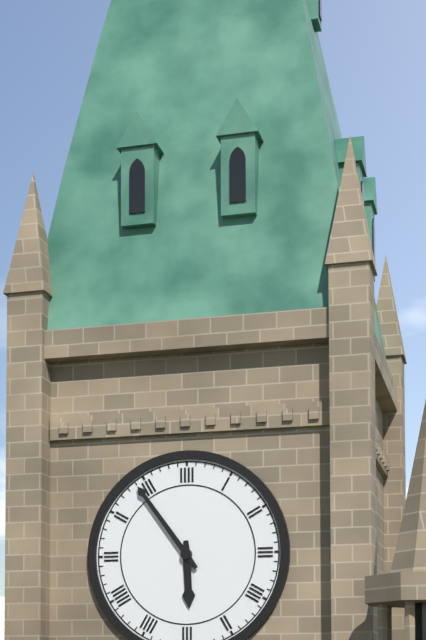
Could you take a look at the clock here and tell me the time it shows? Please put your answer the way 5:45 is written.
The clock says 5:54
